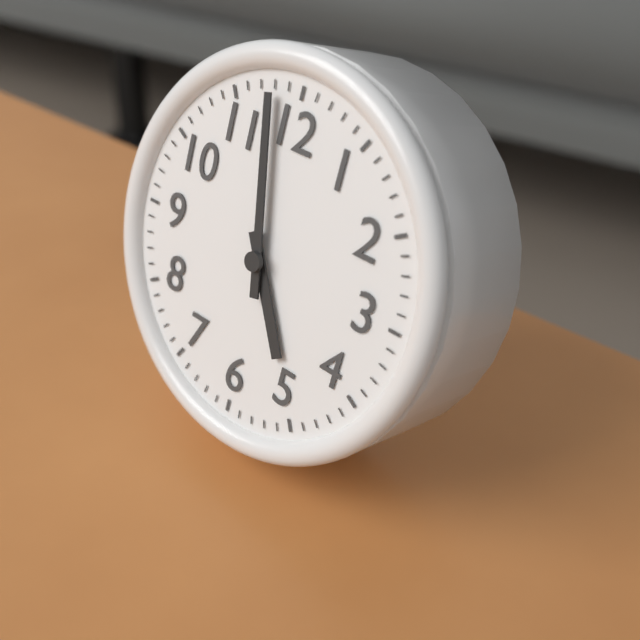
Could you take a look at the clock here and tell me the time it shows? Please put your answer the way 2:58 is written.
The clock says 4:58
